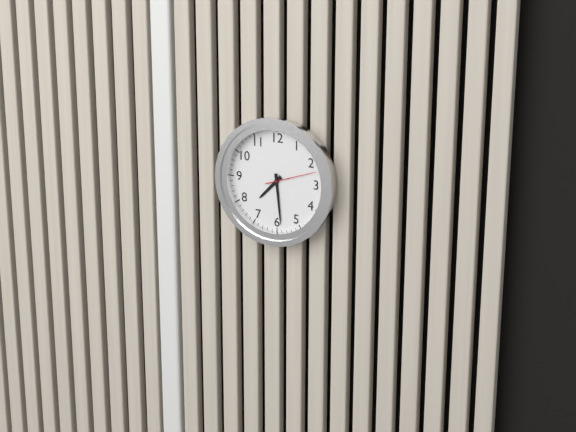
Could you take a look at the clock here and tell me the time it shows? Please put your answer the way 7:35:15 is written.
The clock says 7:29:12
